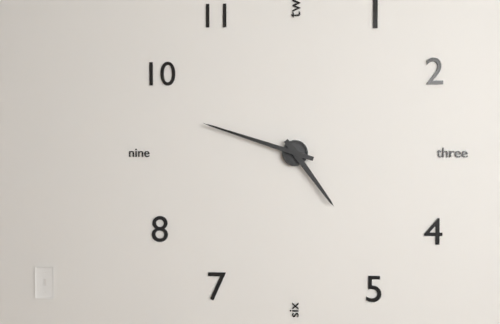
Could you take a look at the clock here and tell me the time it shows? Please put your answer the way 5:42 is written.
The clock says 4:48
